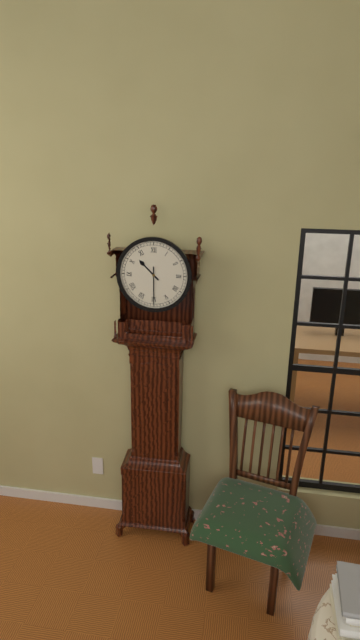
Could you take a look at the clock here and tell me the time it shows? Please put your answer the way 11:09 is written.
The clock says 10:30
